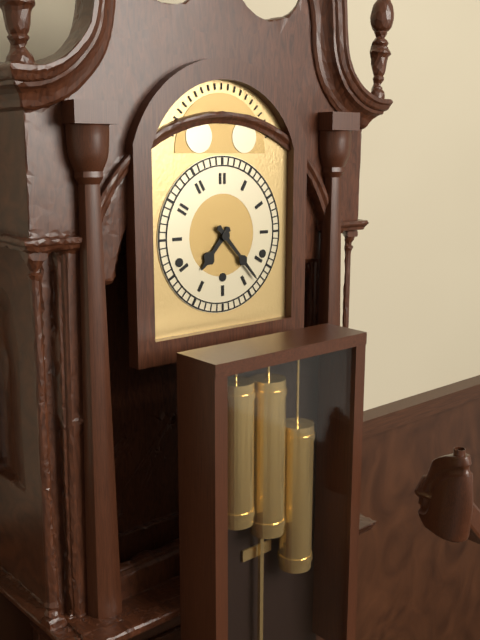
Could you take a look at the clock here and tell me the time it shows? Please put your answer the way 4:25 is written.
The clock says 7:23
